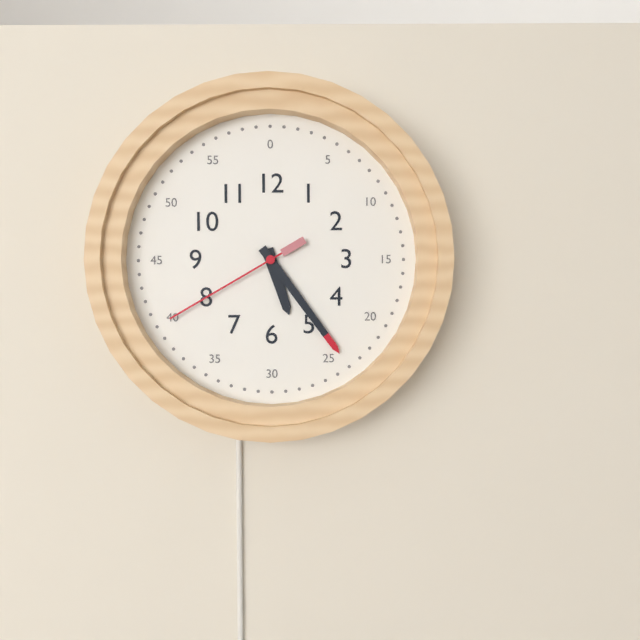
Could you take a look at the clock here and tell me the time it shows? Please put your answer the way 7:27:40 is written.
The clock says 5:24:40
